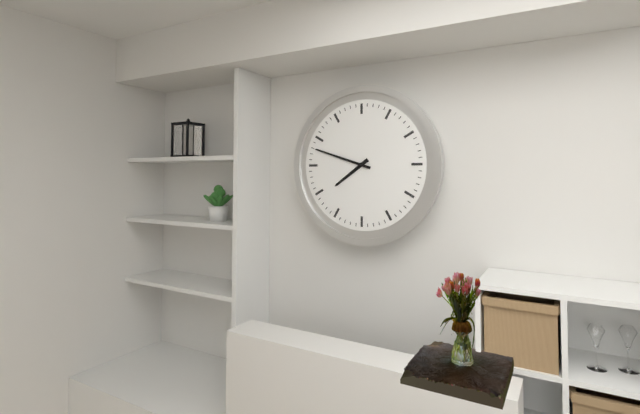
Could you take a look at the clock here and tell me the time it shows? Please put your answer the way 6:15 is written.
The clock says 7:48
